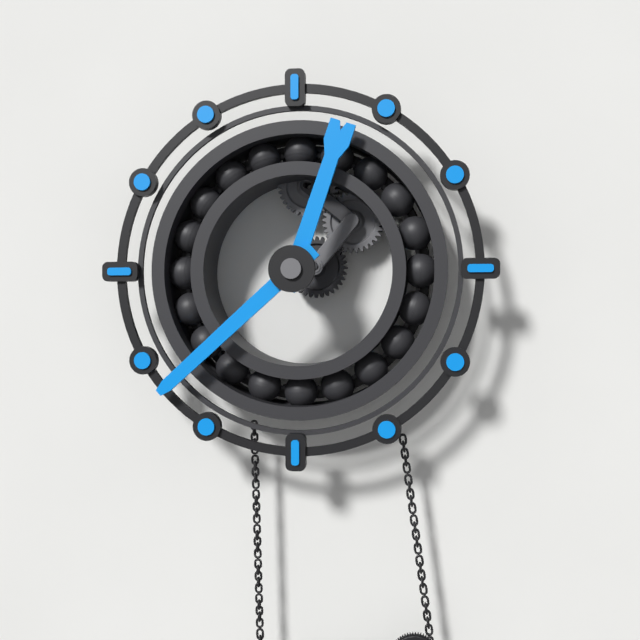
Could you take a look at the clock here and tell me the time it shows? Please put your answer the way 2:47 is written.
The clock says 12:38
